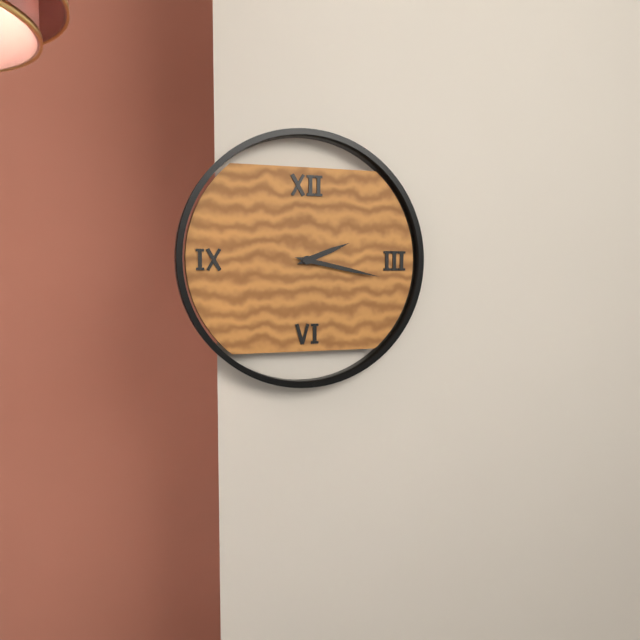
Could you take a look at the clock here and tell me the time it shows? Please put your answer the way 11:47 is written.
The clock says 2:17
